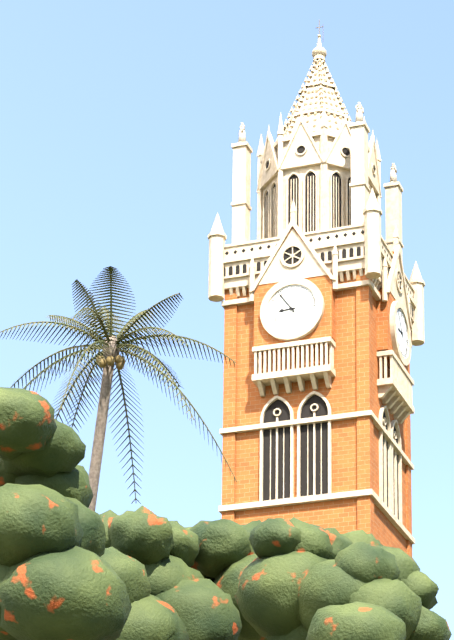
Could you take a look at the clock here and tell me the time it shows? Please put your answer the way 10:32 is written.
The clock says 8:54
